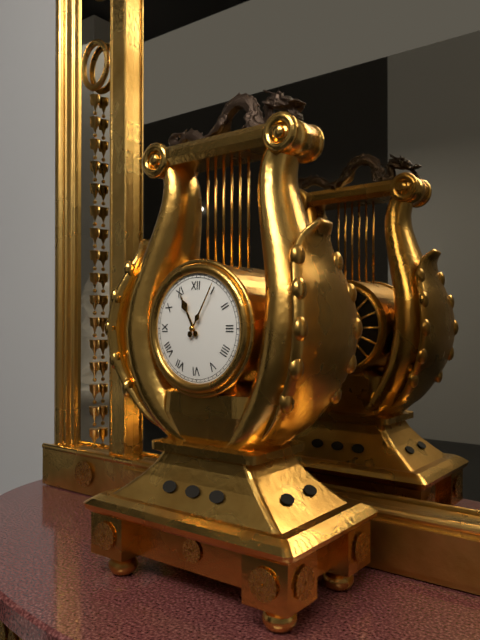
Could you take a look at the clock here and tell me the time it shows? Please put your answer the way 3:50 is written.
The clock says 11:05
